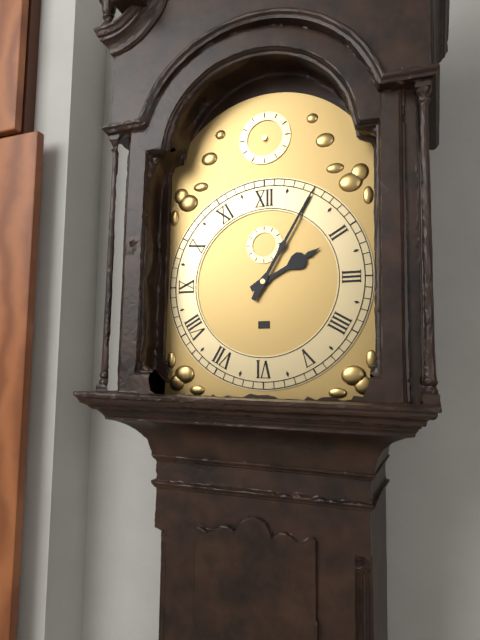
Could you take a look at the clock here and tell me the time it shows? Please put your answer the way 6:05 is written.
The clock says 2:05
